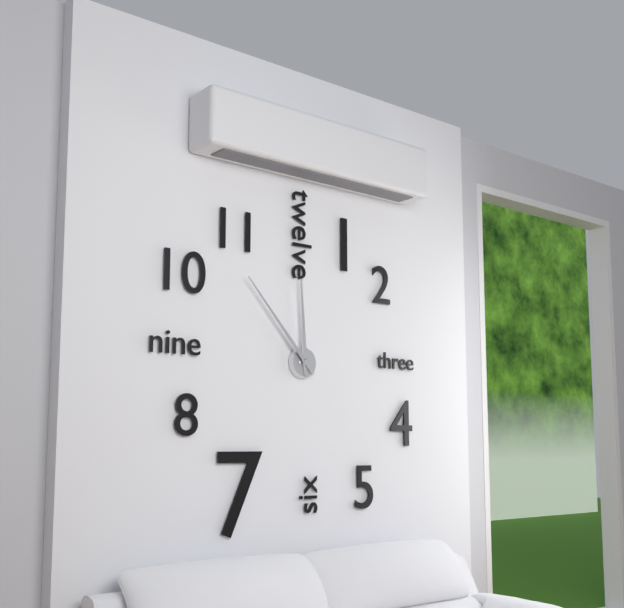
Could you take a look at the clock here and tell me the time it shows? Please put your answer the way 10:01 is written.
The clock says 11:53
